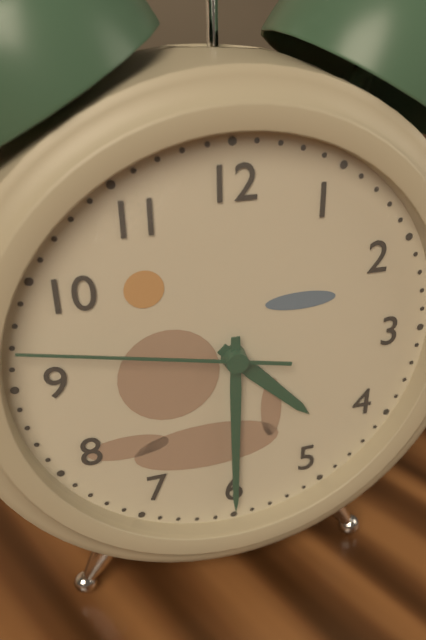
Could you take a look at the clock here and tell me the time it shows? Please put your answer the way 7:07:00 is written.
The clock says 4:30:47
